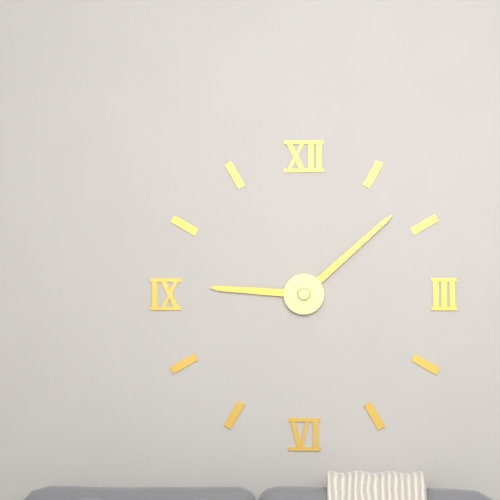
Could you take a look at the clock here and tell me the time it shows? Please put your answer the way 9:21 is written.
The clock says 9:08
